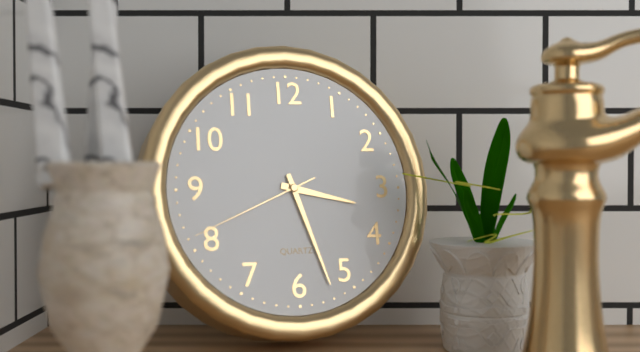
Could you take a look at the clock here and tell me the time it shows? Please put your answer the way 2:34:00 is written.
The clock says 3:27:41
